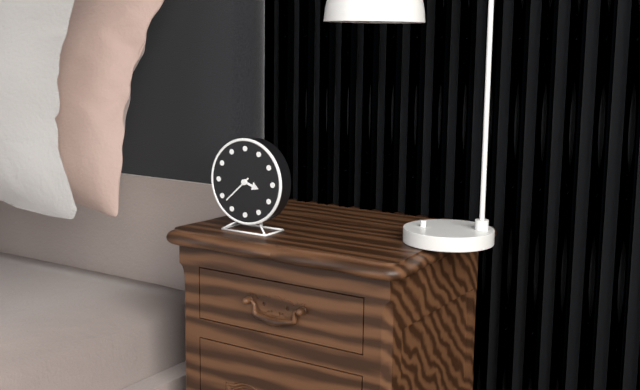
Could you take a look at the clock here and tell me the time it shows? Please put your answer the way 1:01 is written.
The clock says 3:38
